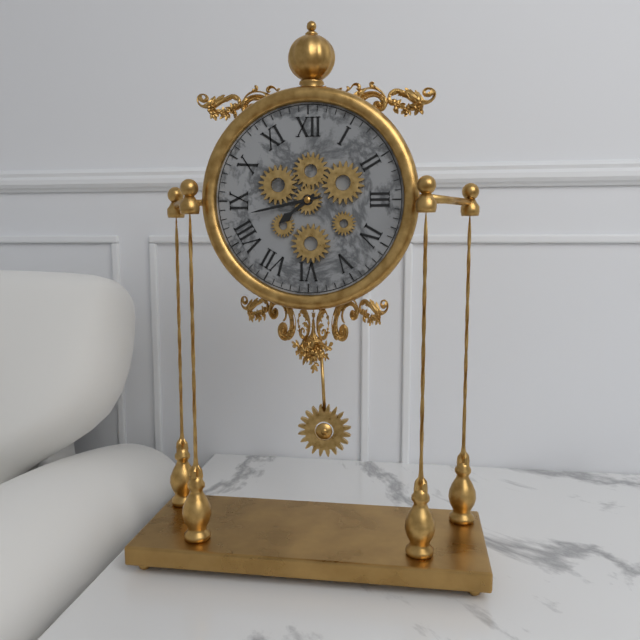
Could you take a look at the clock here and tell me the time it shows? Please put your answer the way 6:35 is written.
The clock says 7:43
